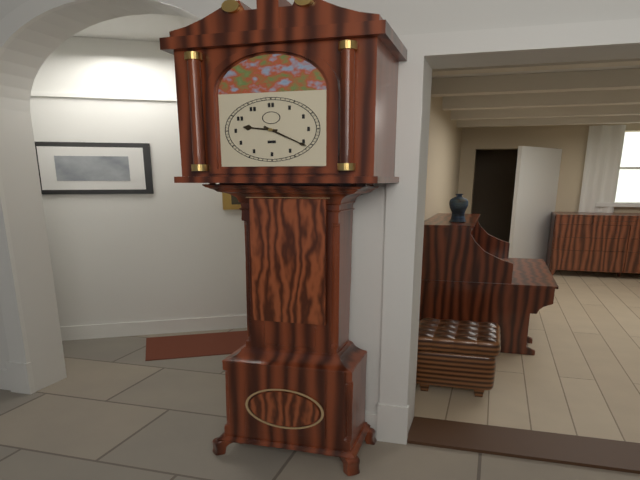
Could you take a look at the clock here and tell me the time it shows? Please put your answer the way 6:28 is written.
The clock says 9:21
